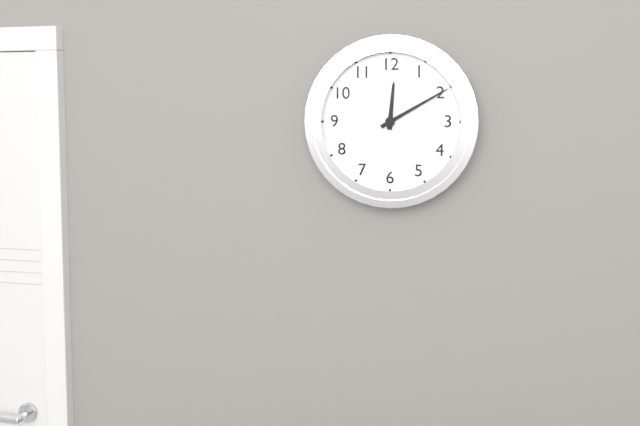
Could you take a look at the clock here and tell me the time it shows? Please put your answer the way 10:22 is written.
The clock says 12:10
